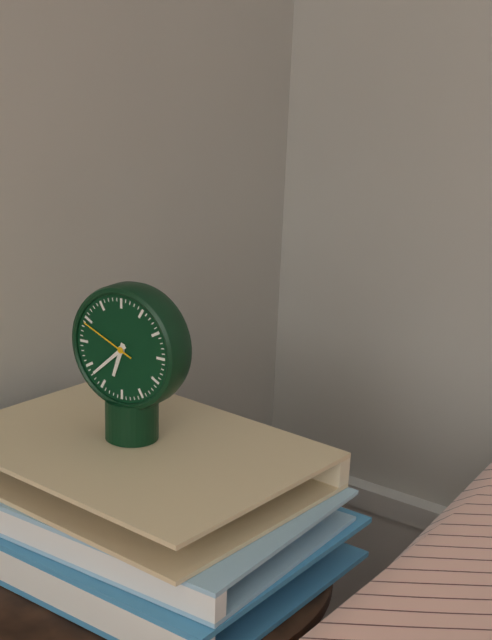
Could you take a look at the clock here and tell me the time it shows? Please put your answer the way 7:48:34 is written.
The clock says 6:38:49
